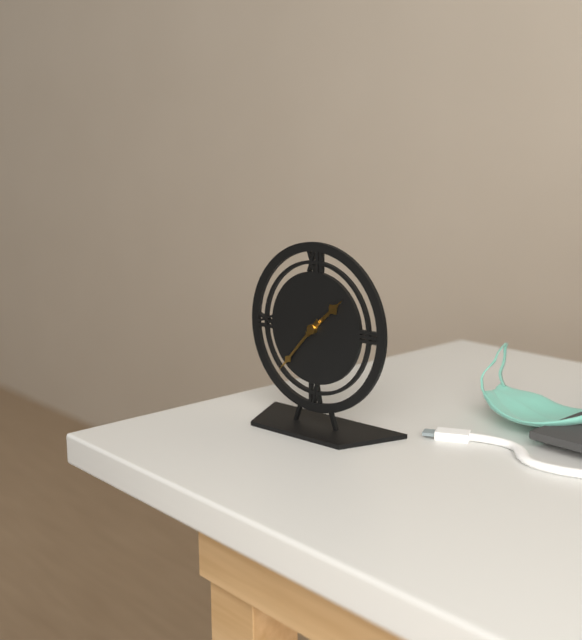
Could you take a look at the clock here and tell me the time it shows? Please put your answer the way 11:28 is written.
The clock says 1:37
